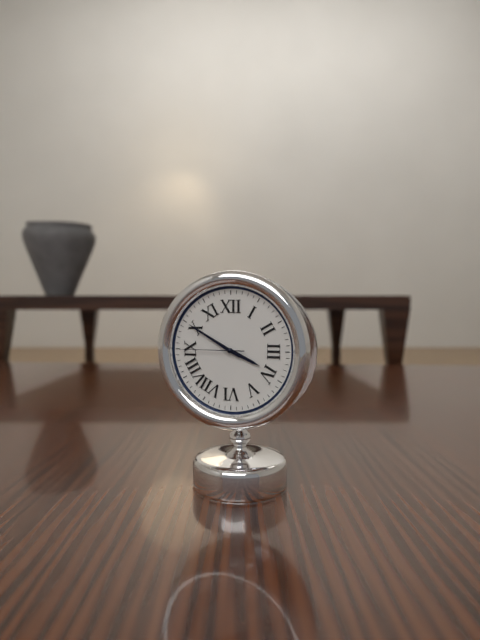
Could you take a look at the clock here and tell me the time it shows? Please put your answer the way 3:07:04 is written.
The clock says 3:50:45
